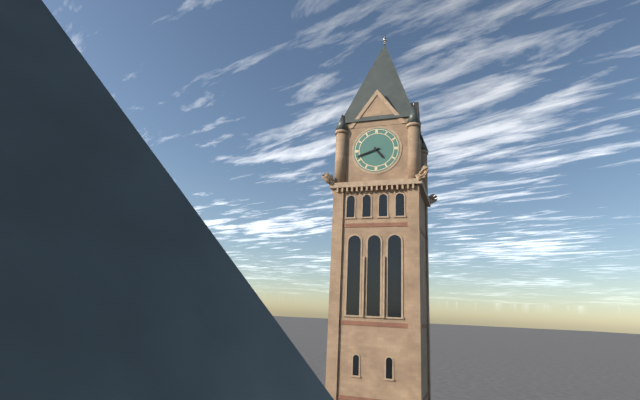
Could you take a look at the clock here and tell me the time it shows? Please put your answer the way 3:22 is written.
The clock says 4:42
